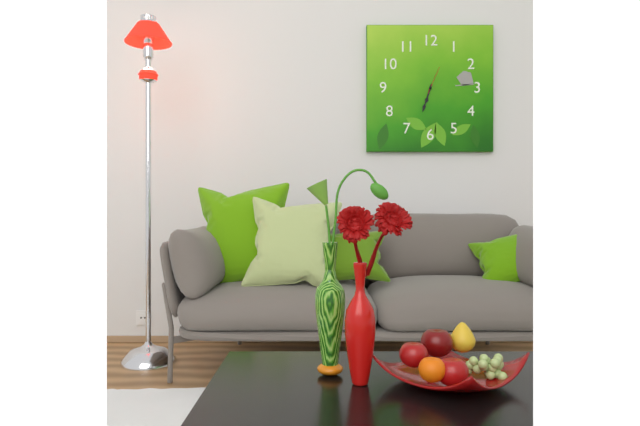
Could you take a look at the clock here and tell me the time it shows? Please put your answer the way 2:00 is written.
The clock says 6:33
